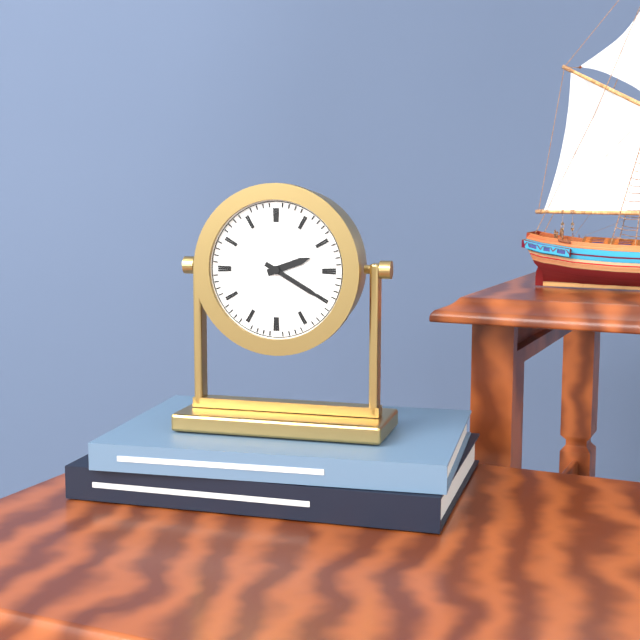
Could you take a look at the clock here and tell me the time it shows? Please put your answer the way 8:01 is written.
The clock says 2:20
